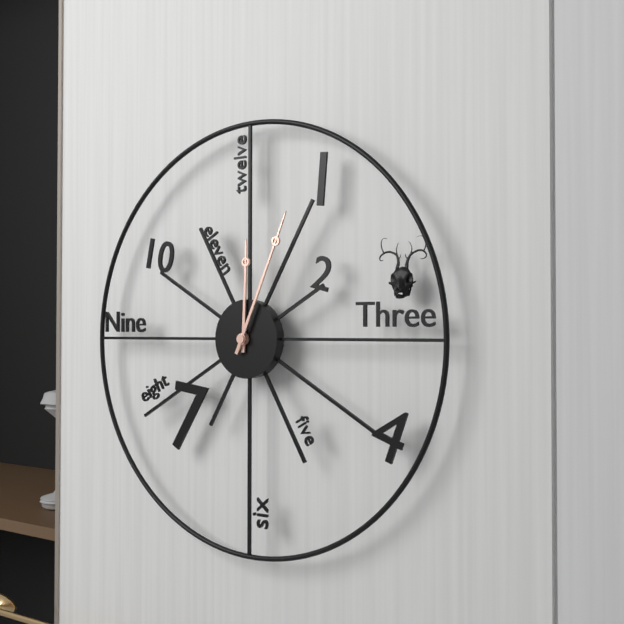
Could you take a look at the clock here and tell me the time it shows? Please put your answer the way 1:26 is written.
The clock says 12:04
